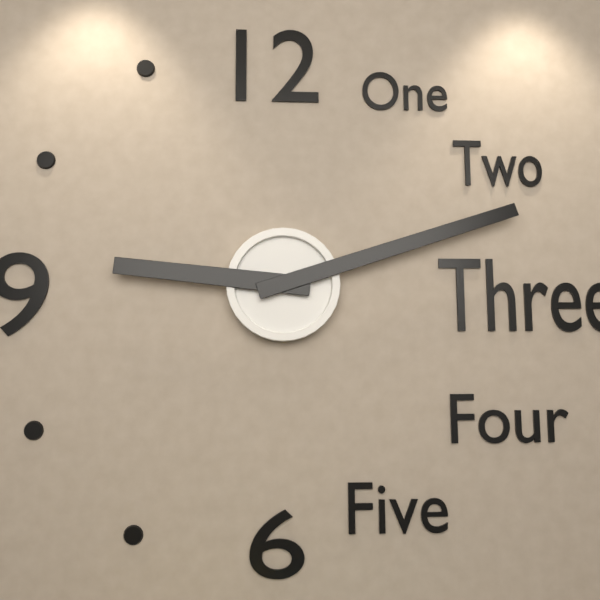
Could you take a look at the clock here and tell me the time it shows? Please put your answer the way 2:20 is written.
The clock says 9:12
